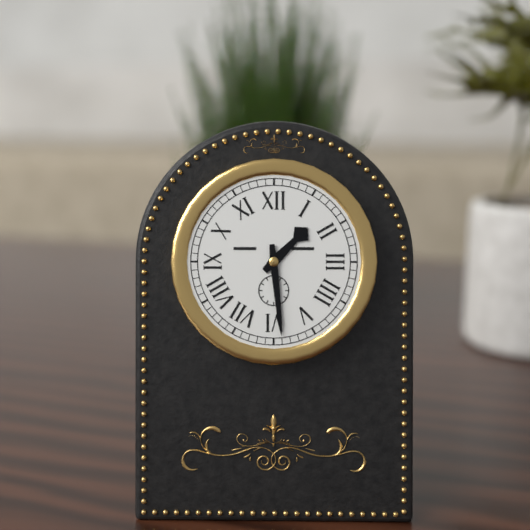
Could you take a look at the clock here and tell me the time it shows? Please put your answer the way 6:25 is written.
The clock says 1:29
